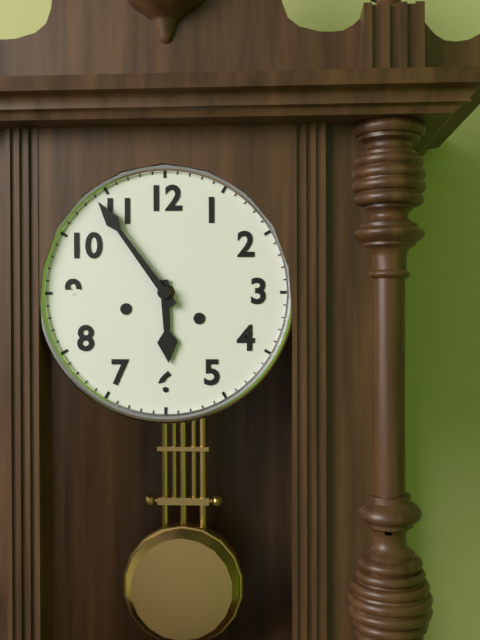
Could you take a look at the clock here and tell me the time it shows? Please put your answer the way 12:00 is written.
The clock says 5:54
